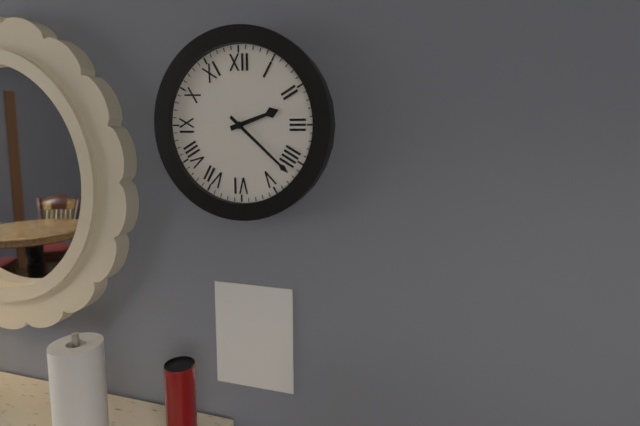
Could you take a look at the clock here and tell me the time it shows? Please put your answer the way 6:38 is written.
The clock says 2:22
